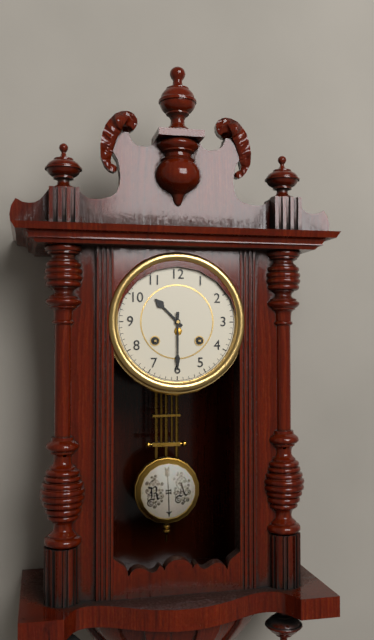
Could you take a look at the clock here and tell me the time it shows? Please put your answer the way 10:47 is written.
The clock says 10:30
